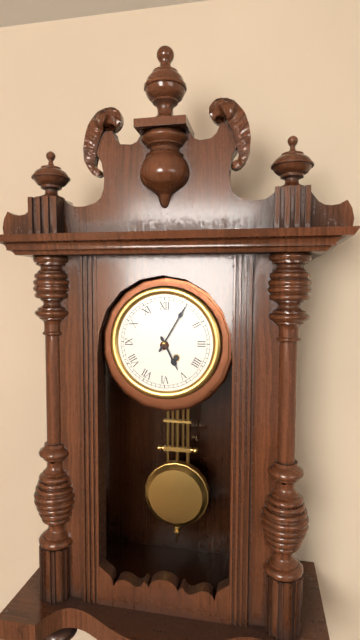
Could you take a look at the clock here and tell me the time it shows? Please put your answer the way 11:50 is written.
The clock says 5:05
